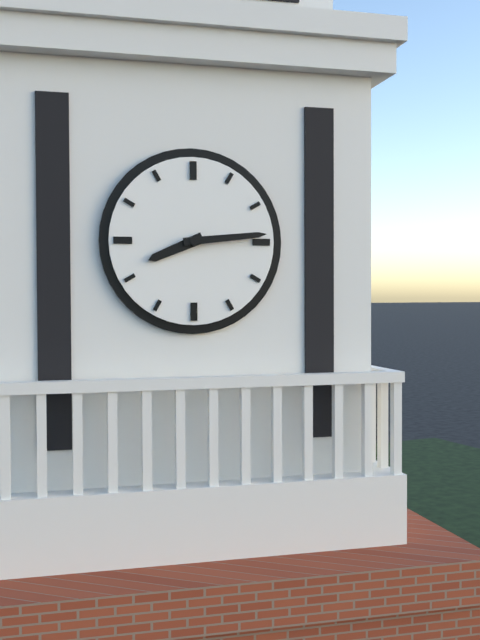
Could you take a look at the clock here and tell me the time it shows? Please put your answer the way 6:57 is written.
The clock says 8:14
